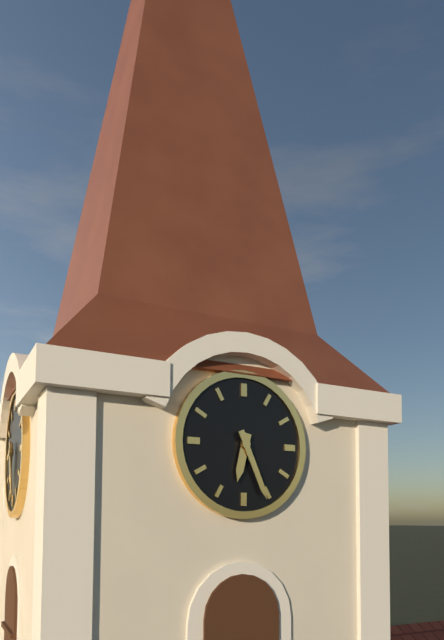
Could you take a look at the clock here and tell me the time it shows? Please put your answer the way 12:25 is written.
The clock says 6:26
